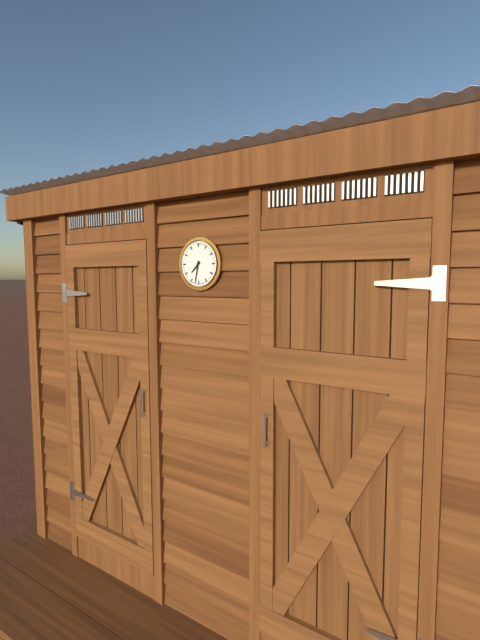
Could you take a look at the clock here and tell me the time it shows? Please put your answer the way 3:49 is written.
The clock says 7:32
